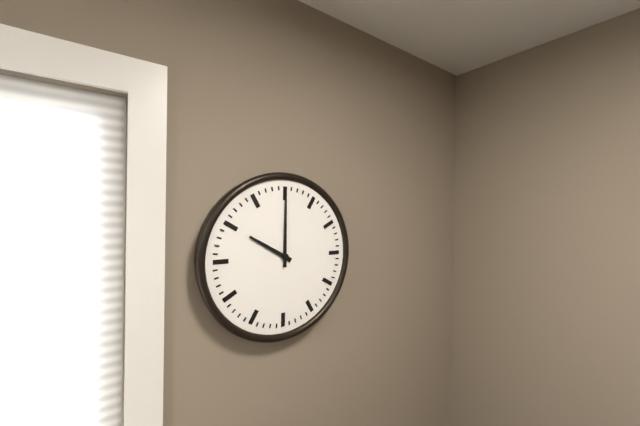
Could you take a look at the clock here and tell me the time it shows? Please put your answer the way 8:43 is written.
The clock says 10:00
